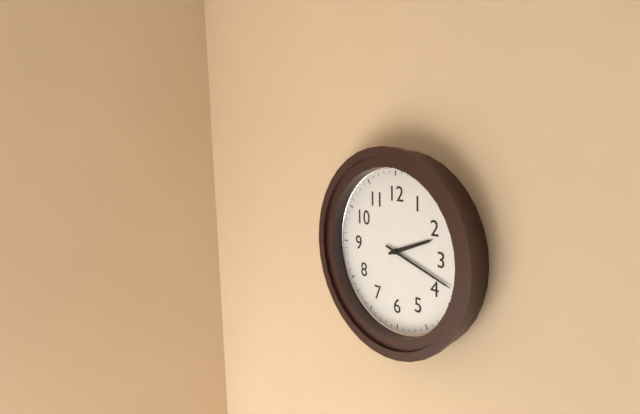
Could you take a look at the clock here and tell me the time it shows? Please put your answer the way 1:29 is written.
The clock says 2:18
